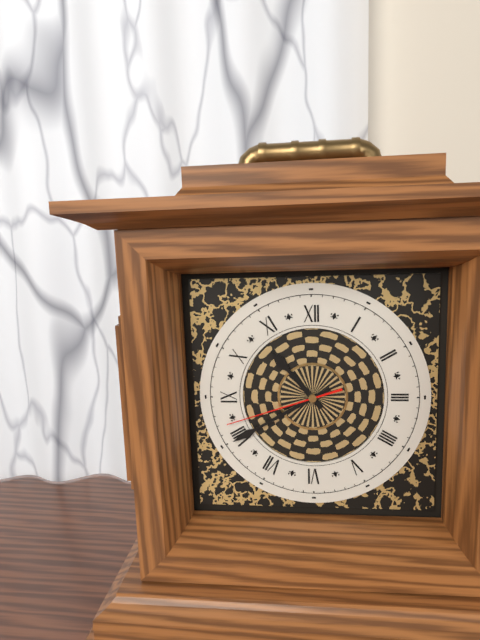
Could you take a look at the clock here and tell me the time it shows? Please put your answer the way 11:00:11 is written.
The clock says 10:40:42
